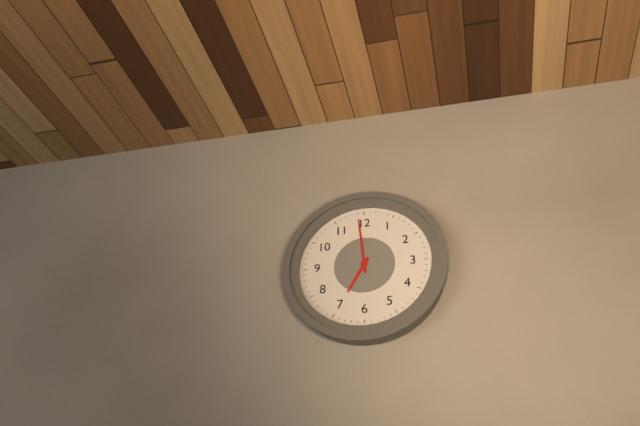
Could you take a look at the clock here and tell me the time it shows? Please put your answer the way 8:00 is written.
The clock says 6:59
